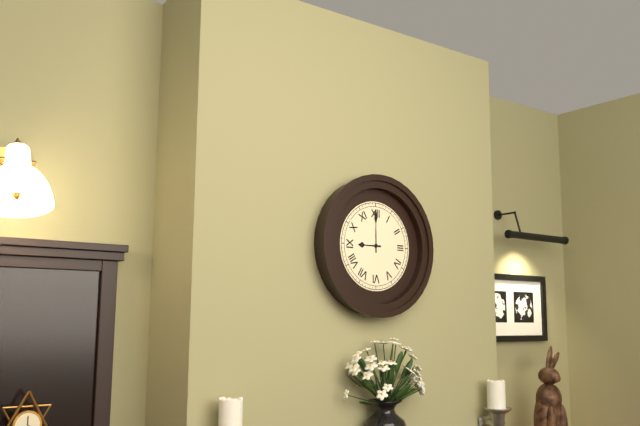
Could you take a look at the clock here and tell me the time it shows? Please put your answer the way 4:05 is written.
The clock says 9:00
